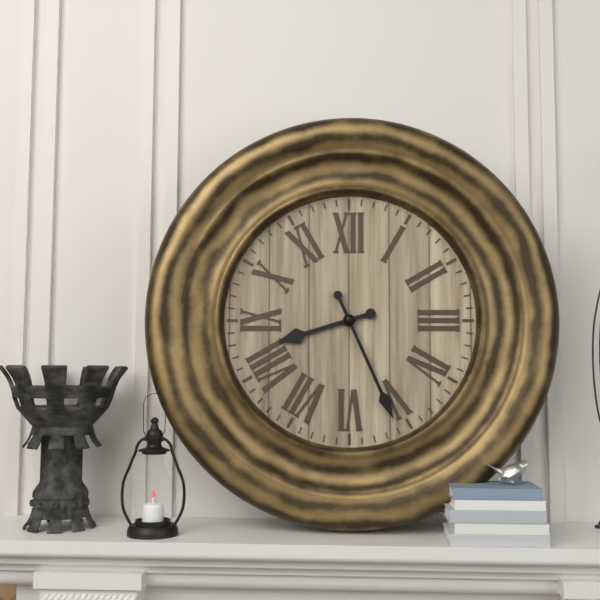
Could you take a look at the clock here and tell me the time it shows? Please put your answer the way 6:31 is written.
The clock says 8:26
